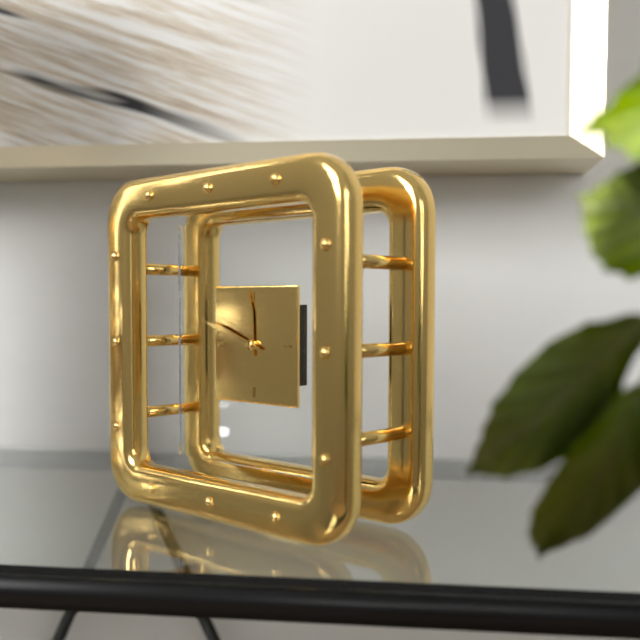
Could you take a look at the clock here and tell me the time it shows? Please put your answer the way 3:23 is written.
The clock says 11:48
